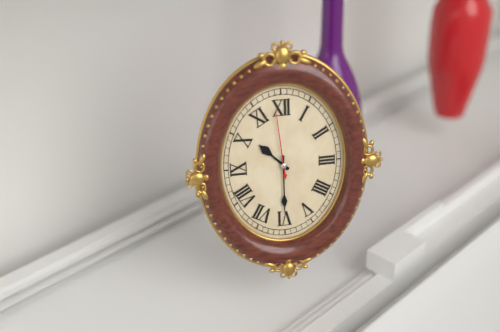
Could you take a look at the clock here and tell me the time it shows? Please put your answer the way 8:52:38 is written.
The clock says 10:30:59
